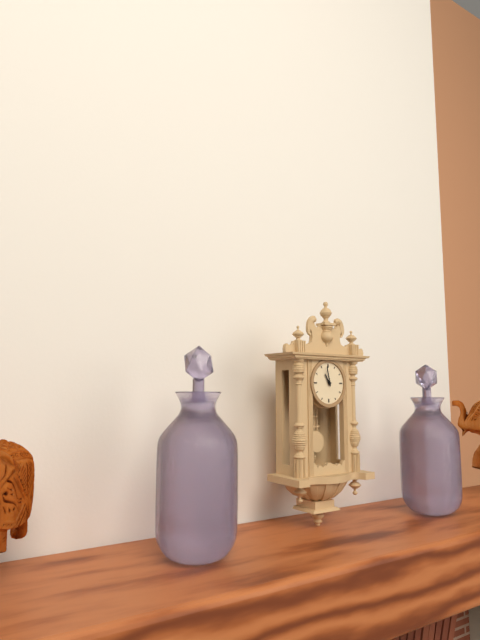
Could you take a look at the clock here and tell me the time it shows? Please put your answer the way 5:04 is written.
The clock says 10:58
